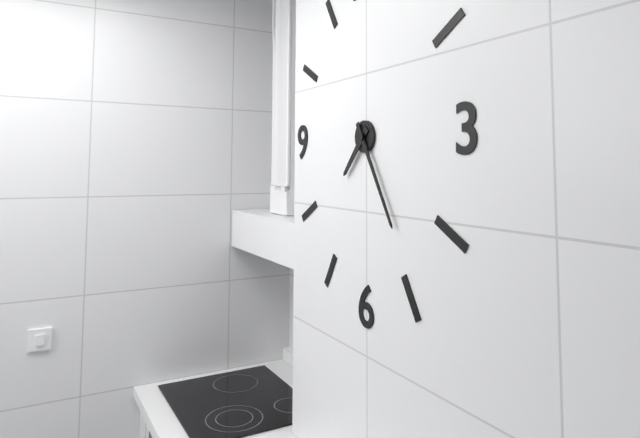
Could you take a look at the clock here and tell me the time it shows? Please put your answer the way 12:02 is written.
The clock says 7:25
